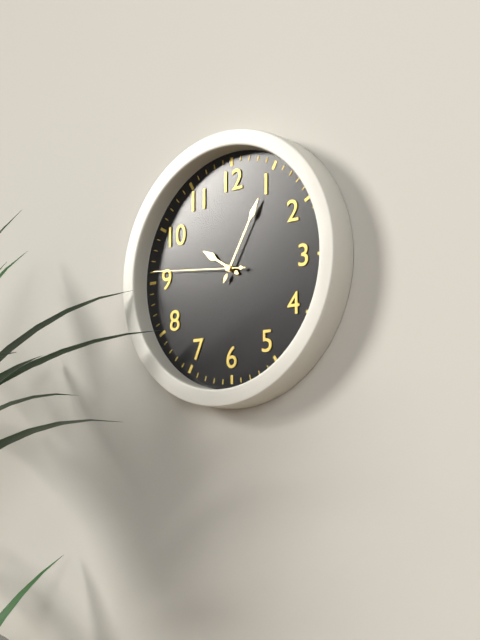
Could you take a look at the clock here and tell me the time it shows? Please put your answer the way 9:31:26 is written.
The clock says 10:05:46
